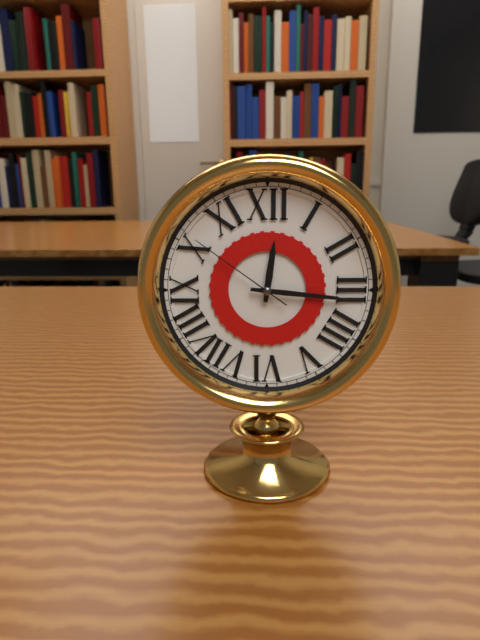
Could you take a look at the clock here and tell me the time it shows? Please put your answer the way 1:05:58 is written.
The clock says 12:16:51
